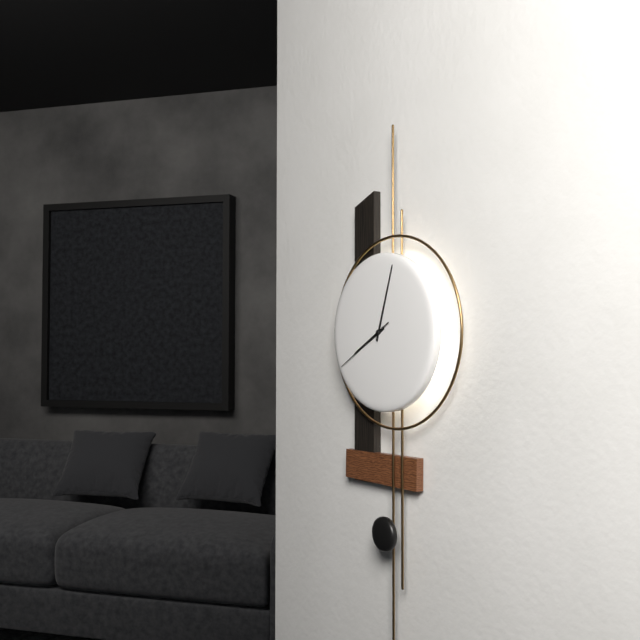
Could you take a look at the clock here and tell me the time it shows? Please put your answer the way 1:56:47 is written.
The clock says 8:03:40
